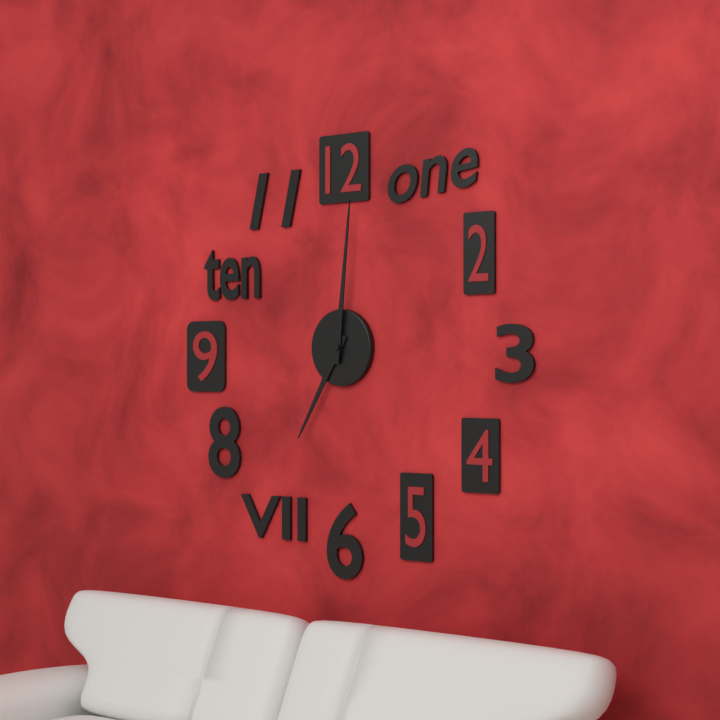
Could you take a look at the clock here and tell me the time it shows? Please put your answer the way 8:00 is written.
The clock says 7:01
